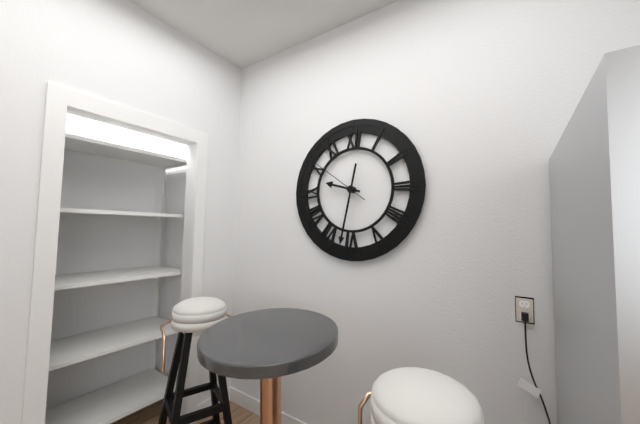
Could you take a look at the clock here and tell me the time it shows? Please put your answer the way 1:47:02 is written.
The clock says 9:32:51
